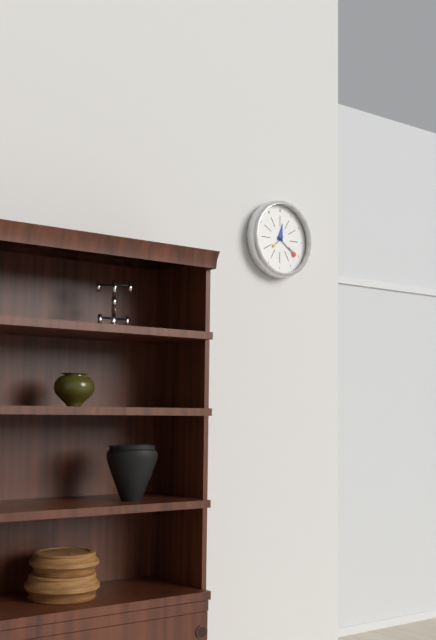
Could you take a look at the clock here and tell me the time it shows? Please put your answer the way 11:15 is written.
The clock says 12:21
